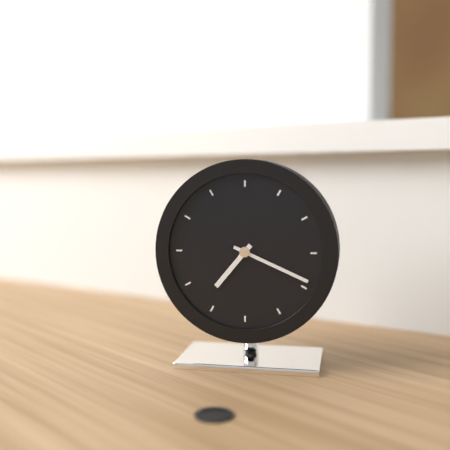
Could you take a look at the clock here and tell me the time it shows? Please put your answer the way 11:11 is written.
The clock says 7:19
